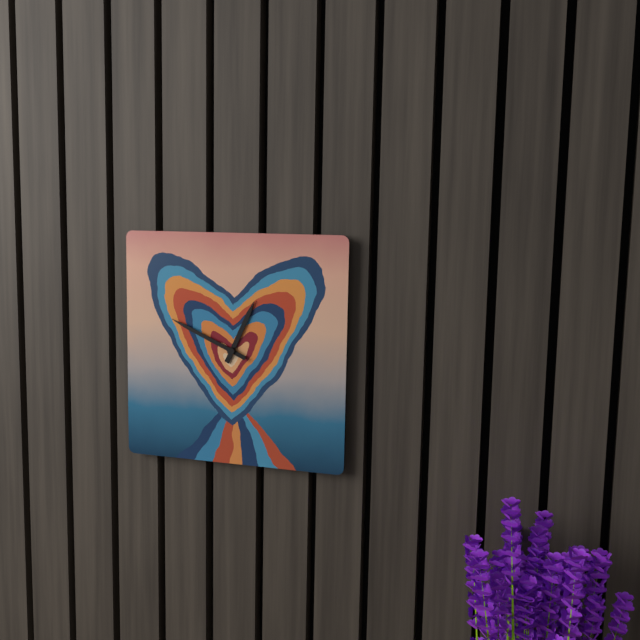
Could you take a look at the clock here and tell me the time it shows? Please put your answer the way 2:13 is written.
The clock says 12:49
